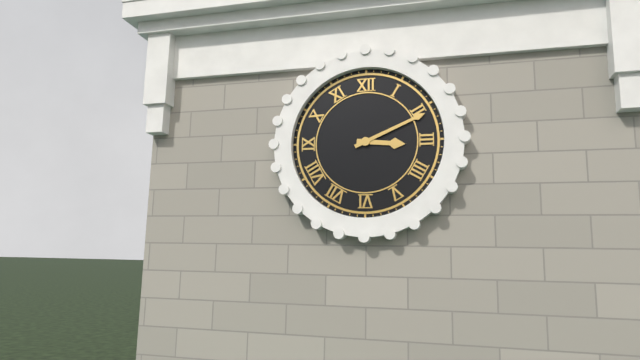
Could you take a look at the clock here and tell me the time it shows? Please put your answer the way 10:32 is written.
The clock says 3:11
